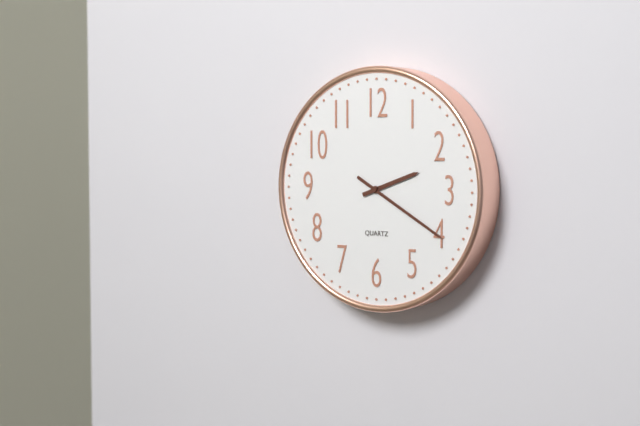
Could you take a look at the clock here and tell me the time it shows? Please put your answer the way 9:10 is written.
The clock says 2:20
